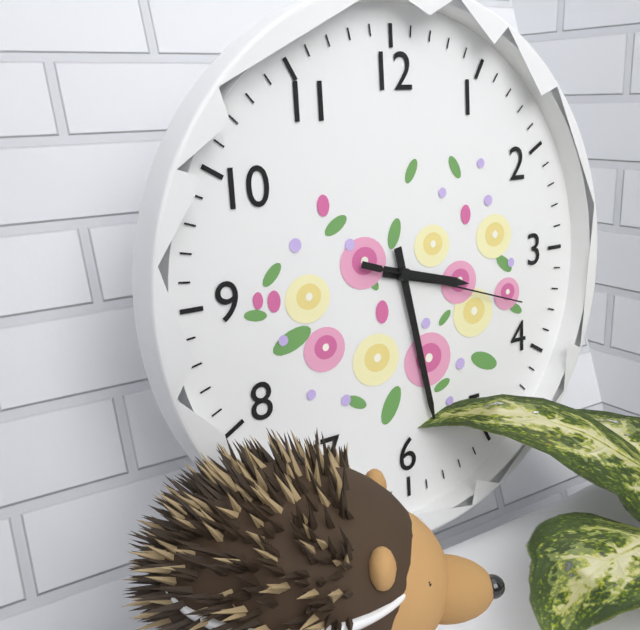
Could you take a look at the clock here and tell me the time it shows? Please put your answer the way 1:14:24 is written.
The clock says 3:28:18
